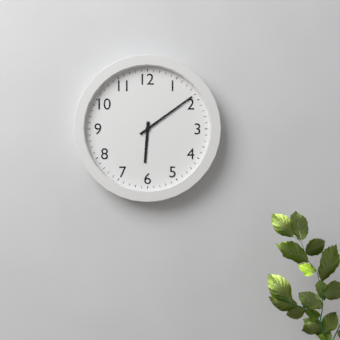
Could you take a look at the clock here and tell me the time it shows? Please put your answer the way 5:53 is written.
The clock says 6:09
